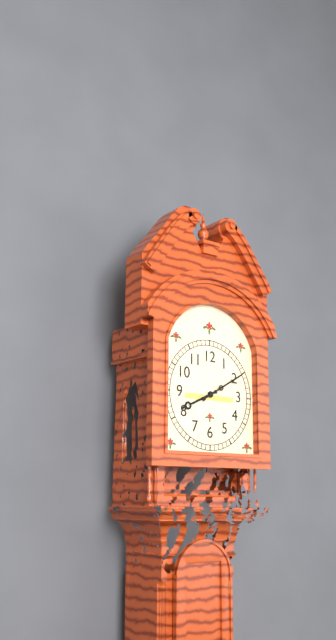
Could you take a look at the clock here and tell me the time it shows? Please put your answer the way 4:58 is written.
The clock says 8:10
